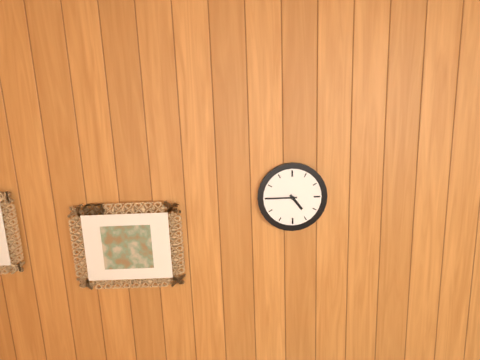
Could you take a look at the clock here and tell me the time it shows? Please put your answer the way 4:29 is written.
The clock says 4:45
